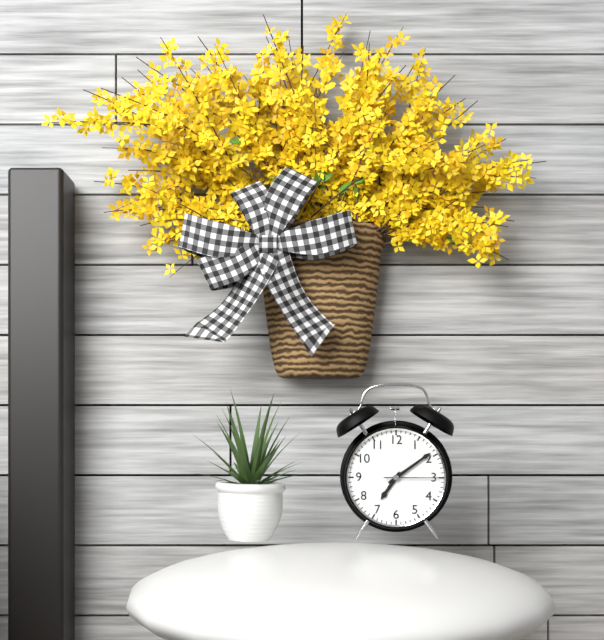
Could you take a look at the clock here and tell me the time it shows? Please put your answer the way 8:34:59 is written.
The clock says 7:09:15
